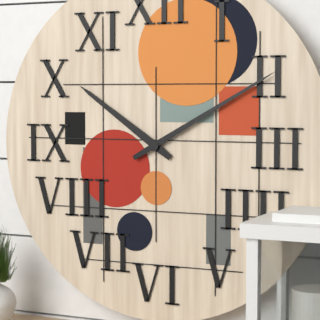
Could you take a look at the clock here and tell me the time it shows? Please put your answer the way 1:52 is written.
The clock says 10:10
